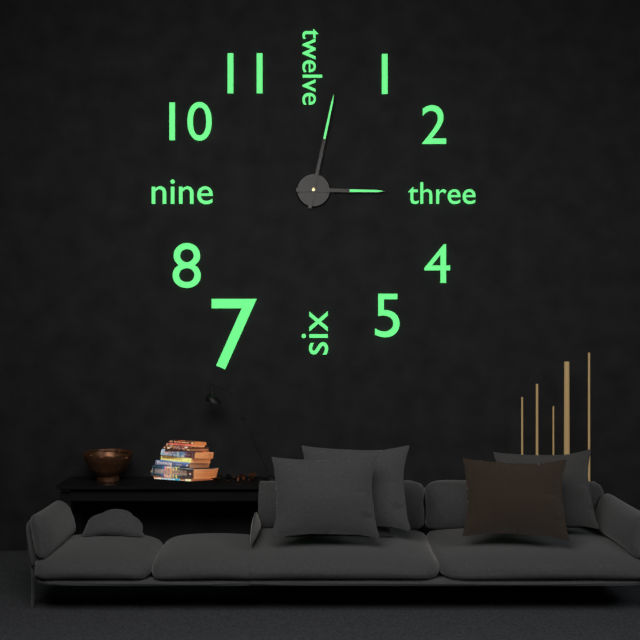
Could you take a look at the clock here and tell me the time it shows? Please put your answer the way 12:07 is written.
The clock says 3:02
